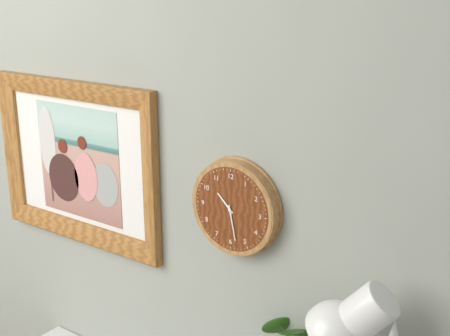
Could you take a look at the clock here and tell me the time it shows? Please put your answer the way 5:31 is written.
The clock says 10:28
